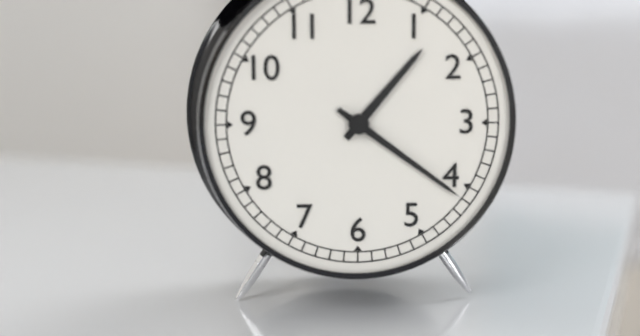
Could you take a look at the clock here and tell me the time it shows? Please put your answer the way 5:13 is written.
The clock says 1:21
